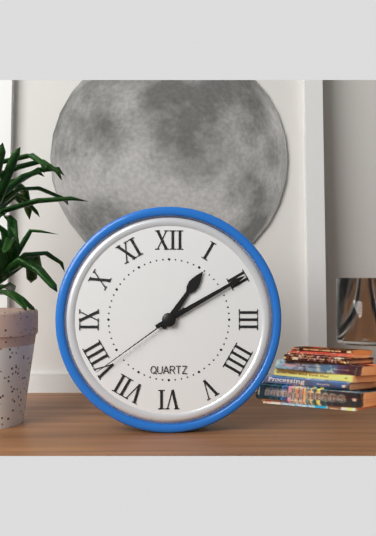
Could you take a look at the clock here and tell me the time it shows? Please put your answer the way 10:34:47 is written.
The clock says 1:10:39
